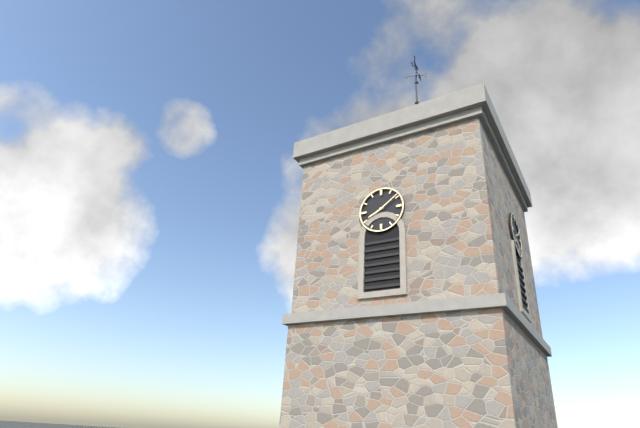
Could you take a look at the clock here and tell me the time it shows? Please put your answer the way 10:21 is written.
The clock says 8:09
